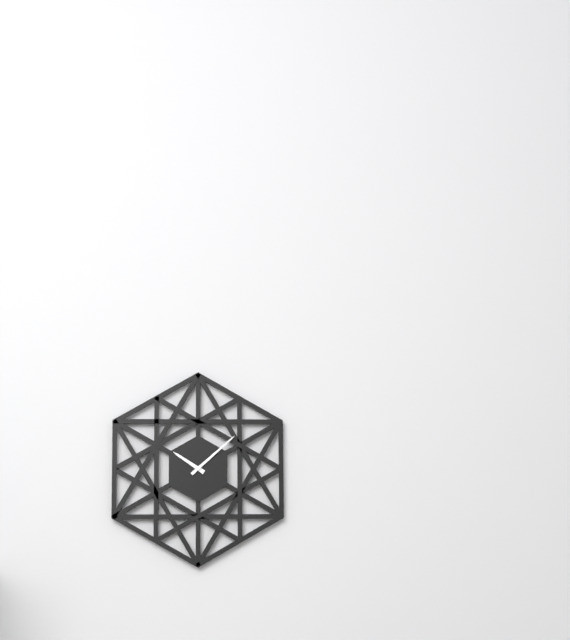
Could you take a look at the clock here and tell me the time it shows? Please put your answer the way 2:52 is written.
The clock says 10:08
